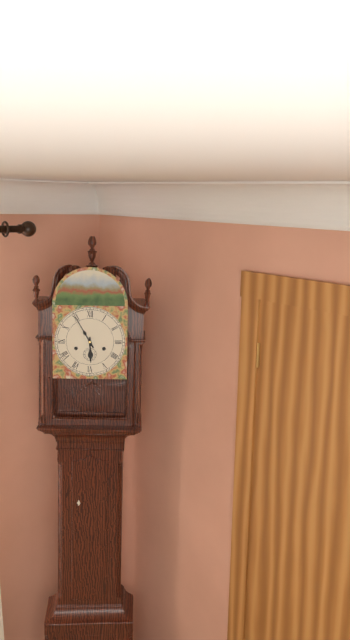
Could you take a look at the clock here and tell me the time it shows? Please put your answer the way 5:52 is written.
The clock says 5:55
